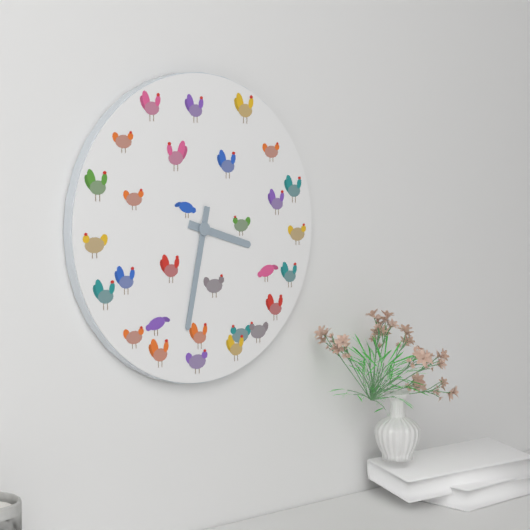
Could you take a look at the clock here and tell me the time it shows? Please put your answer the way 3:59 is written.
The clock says 3:32
